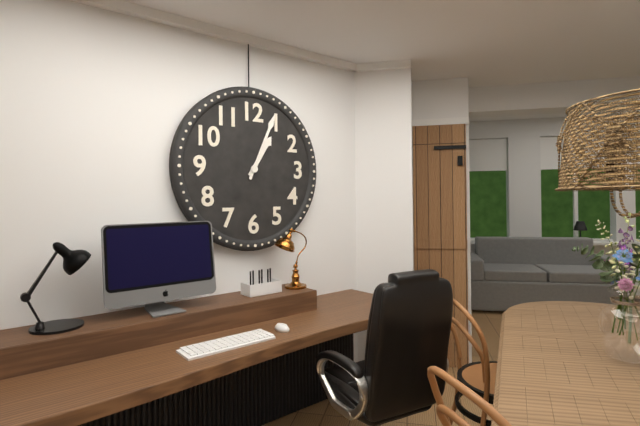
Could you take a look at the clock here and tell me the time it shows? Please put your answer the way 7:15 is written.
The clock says 1:04
